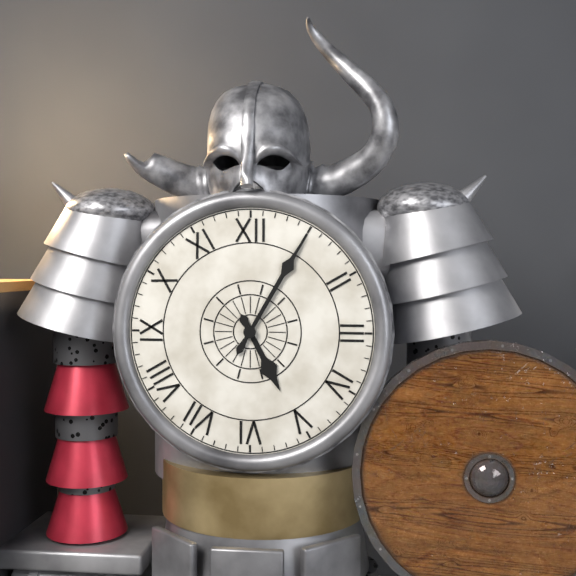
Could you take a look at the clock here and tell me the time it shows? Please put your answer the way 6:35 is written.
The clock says 5:05
